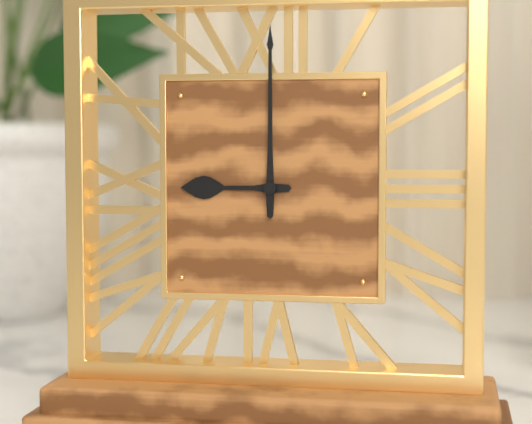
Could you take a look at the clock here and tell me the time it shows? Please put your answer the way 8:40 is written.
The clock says 9:00
